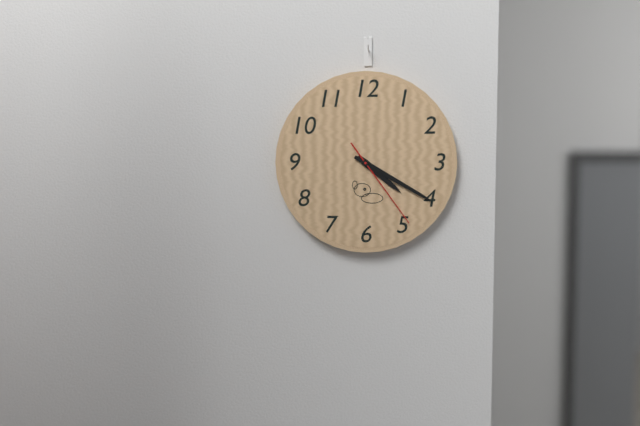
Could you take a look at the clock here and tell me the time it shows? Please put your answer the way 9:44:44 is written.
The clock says 4:20:24
